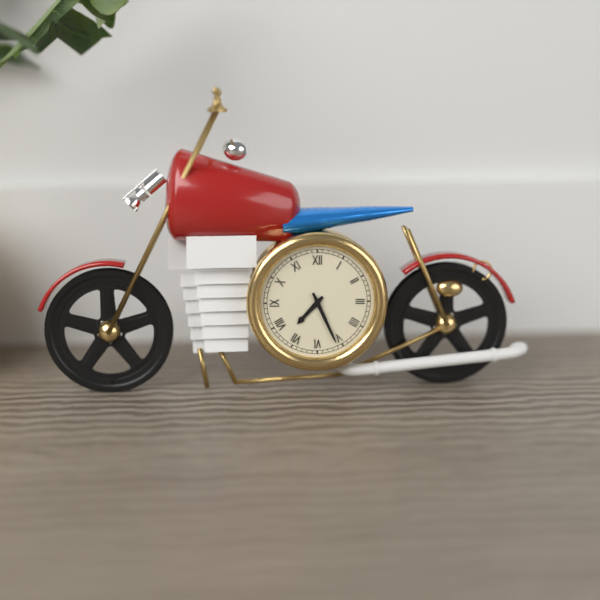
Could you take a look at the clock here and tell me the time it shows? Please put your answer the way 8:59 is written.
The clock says 7:26
